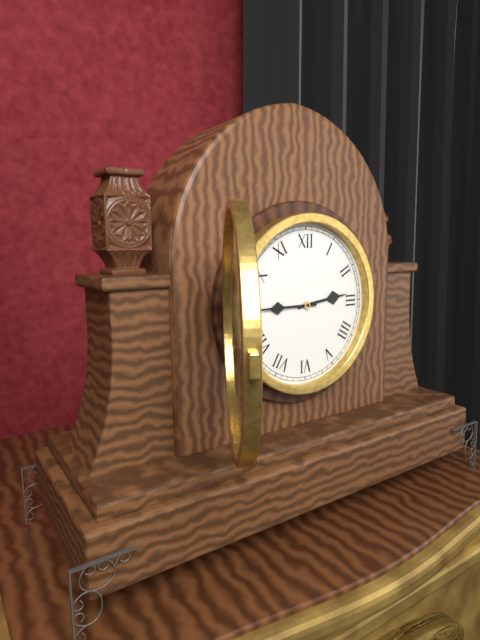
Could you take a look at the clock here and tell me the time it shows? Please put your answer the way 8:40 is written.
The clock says 2:45
